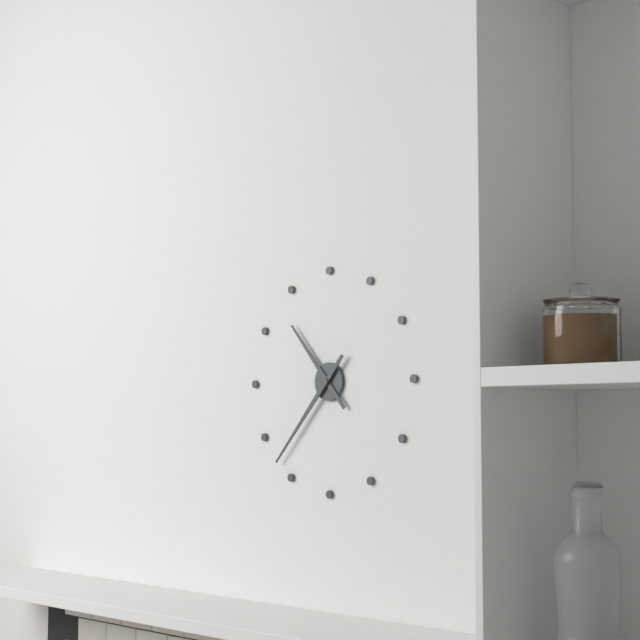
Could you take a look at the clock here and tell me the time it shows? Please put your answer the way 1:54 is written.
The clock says 10:37
